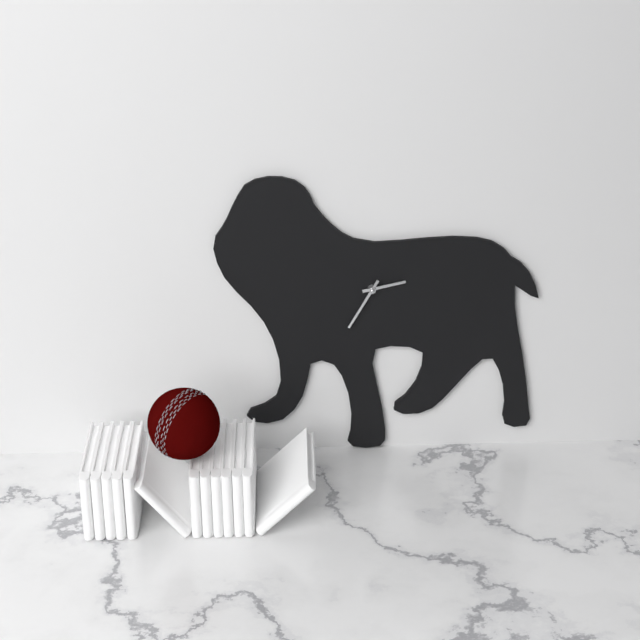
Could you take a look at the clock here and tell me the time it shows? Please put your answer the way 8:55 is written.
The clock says 2:35
